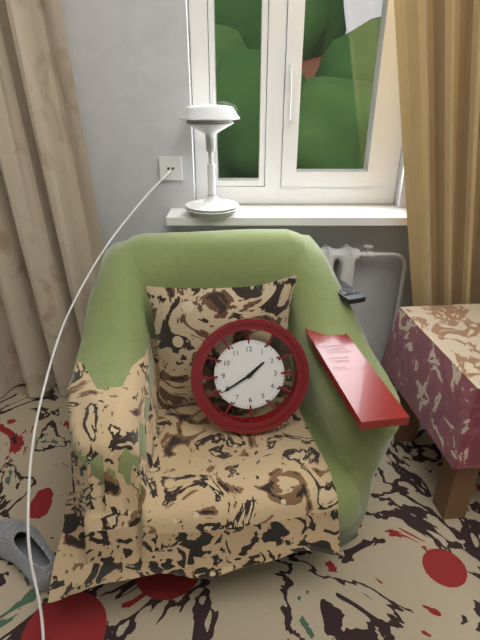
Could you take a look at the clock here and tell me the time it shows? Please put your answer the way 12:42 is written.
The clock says 1:40
